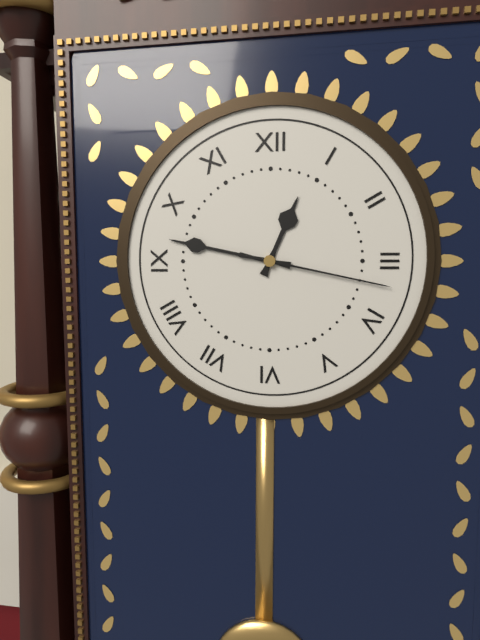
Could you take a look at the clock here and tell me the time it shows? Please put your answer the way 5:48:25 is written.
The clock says 12:47:17
